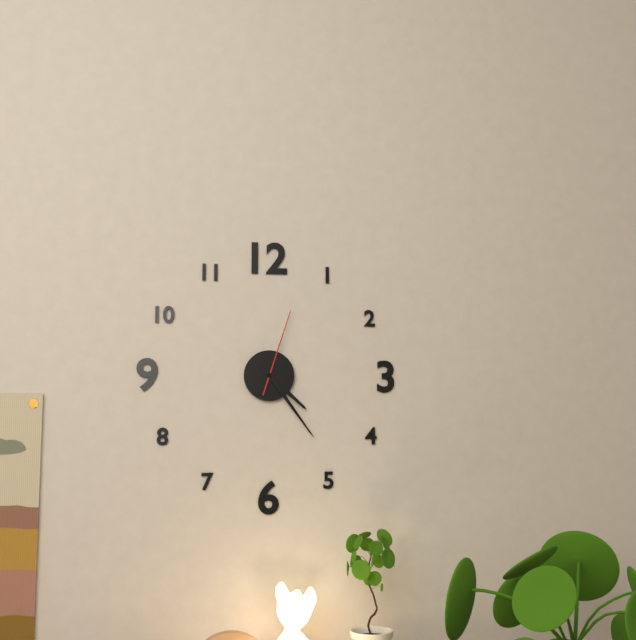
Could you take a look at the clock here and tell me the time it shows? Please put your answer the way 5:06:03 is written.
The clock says 4:24:03
